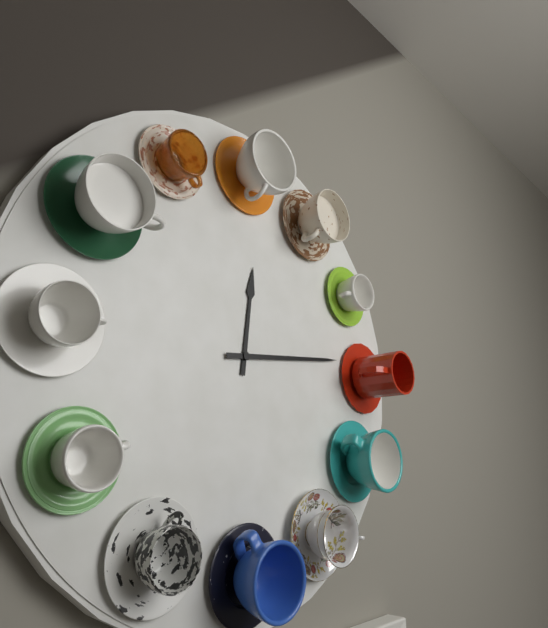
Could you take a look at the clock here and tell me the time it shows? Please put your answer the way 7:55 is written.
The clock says 12:14
